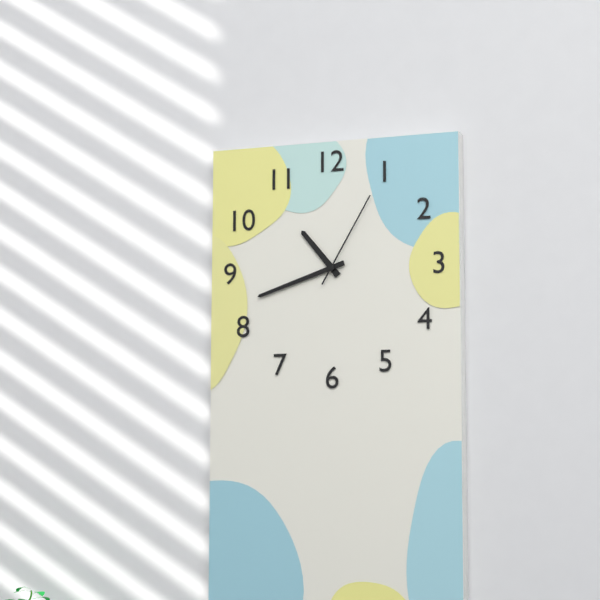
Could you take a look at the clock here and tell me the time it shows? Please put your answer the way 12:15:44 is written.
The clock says 10:42:05
